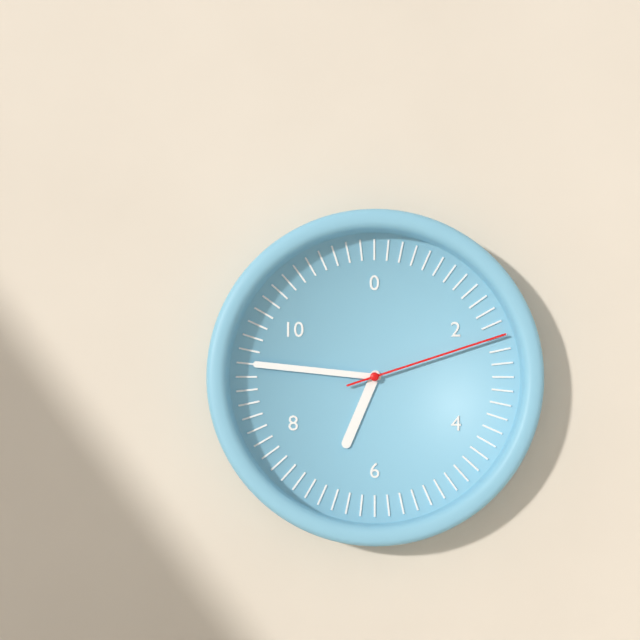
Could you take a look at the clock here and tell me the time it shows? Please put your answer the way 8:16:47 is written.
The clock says 6:46:12
